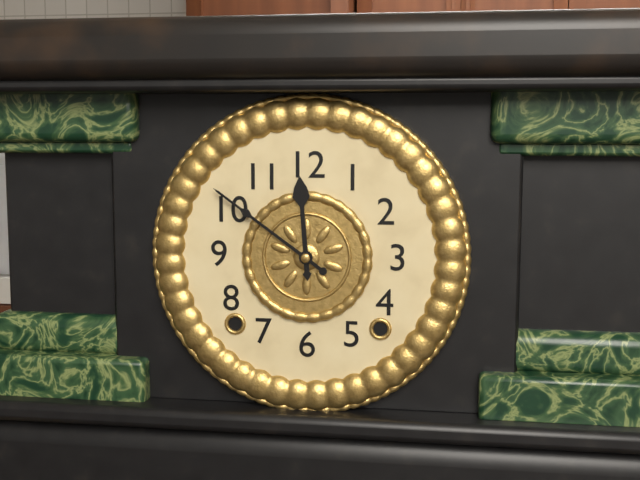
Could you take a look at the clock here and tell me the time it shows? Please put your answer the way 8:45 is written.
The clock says 11:51
